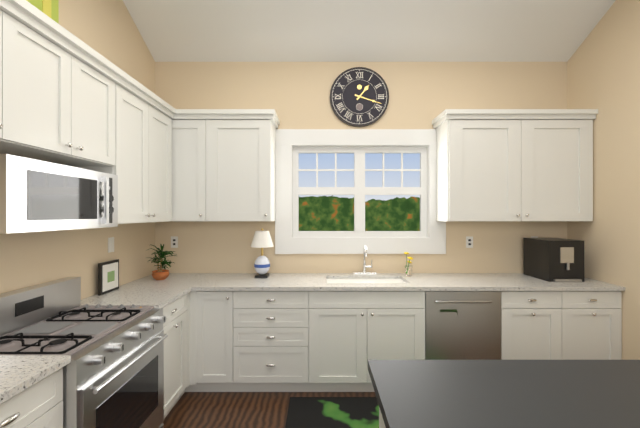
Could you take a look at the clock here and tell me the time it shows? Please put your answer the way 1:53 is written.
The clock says 1:18
